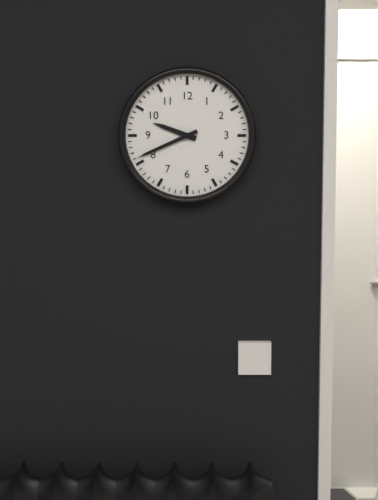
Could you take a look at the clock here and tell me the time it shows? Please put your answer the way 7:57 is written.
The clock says 9:41
